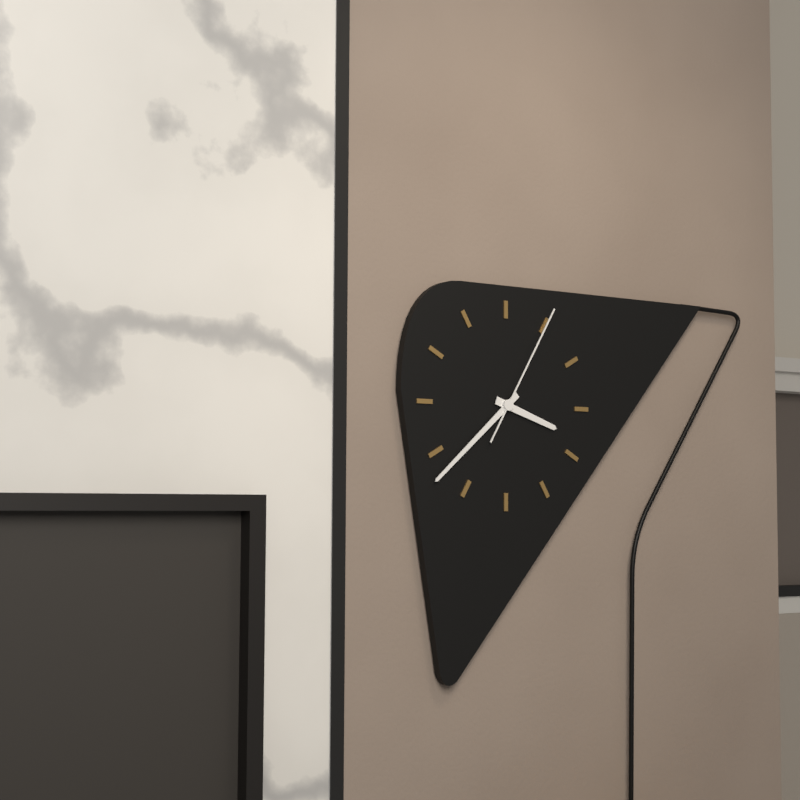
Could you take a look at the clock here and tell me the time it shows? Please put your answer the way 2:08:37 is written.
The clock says 3:38:05
